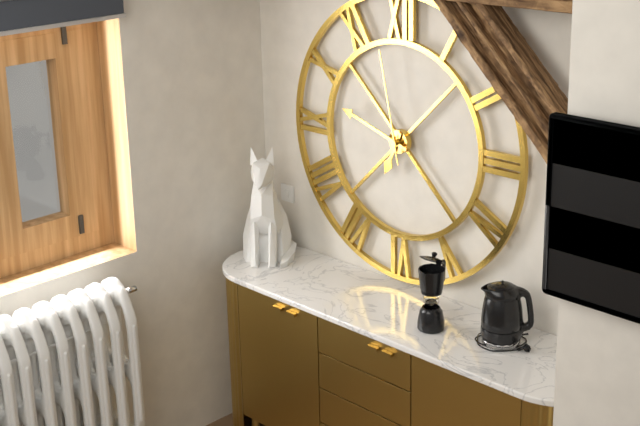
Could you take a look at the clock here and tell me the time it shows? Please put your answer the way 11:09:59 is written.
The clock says 6:48:58
